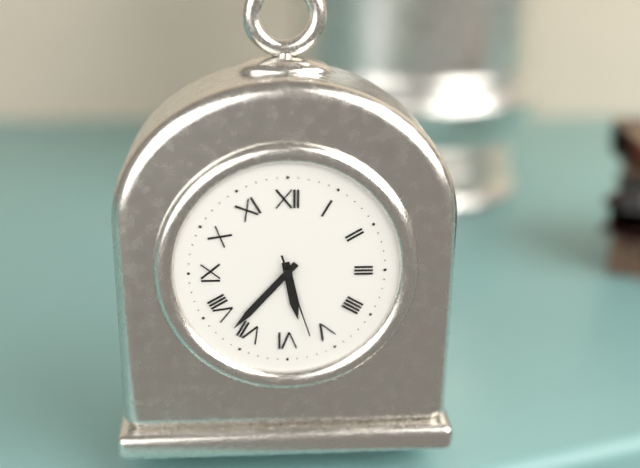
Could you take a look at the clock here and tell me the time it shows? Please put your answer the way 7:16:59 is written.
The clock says 5:37:27
